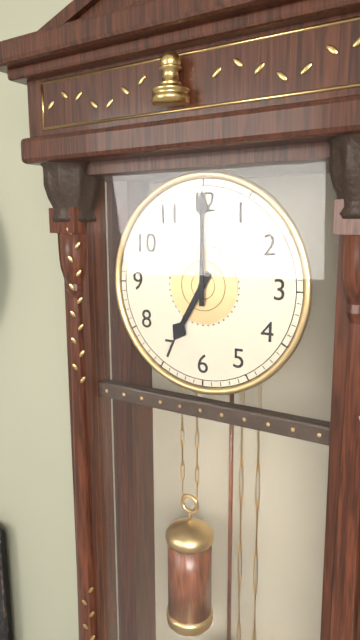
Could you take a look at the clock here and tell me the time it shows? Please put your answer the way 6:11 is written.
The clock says 7:00
